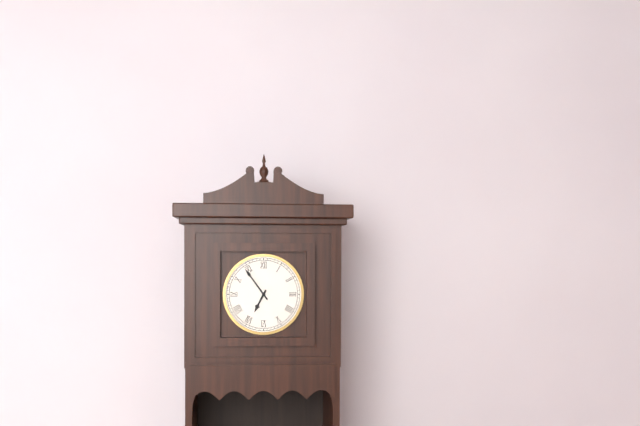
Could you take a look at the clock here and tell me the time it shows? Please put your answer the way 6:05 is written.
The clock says 6:54
